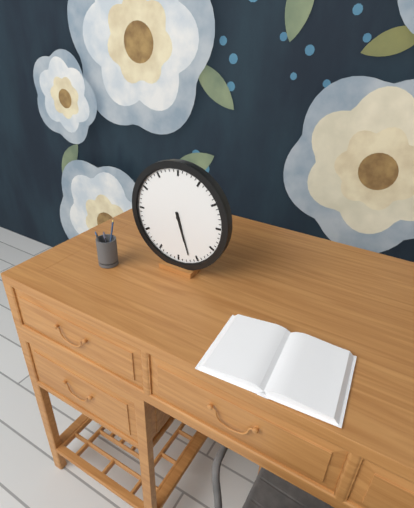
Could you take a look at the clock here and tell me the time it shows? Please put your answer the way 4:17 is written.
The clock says 5:27
